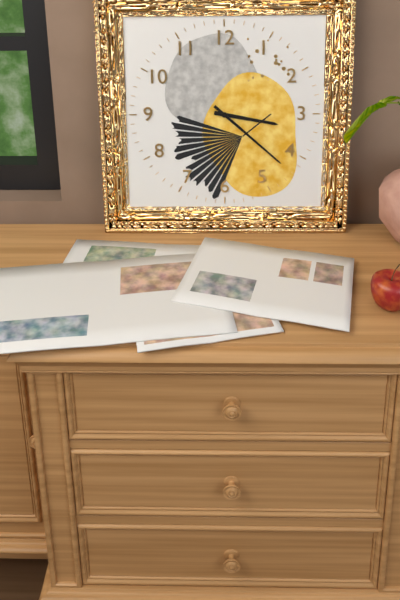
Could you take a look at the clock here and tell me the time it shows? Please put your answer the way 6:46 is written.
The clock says 3:22
